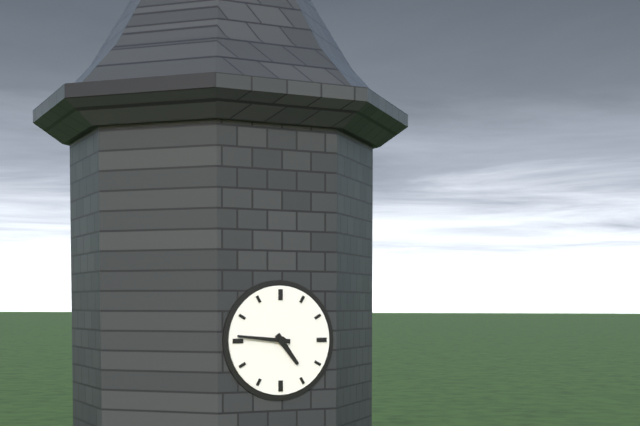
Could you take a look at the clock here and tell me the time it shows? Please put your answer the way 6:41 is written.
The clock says 4:46
